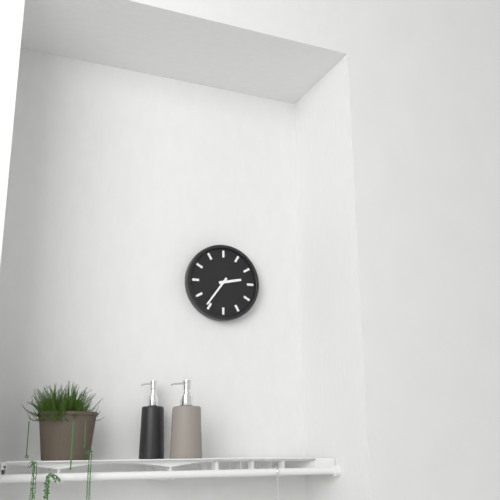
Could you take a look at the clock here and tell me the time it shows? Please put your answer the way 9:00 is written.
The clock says 2:36
